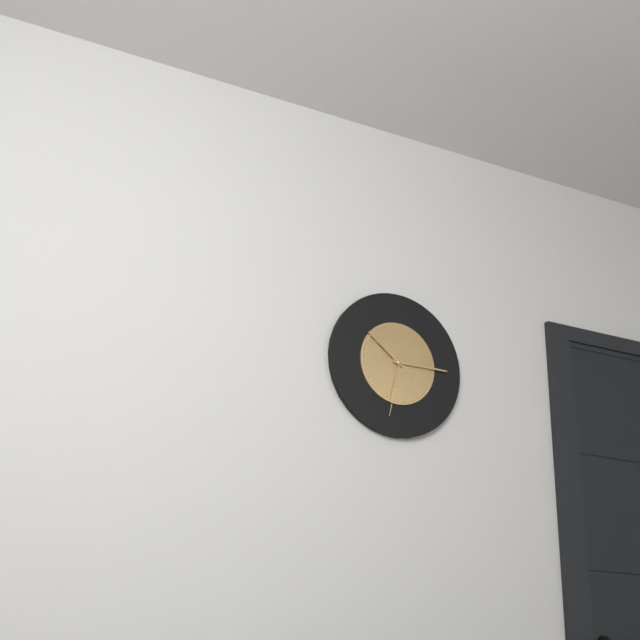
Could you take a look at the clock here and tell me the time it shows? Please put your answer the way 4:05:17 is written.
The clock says 10:15:32
